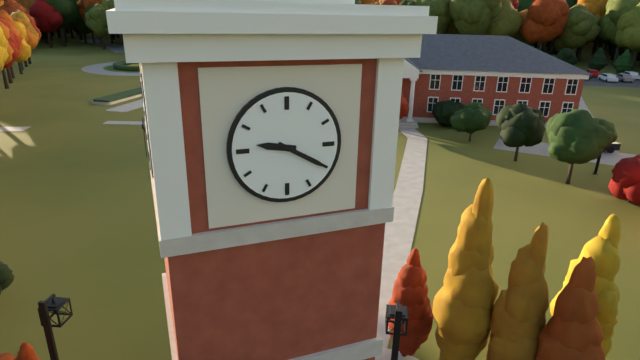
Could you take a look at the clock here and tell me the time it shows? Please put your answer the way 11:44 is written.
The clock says 9:20
